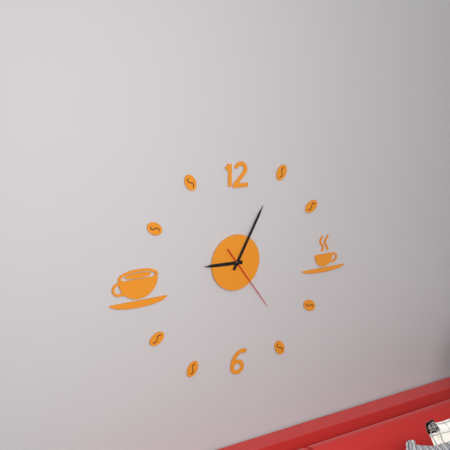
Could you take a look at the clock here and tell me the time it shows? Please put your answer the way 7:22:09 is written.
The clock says 9:05:24
